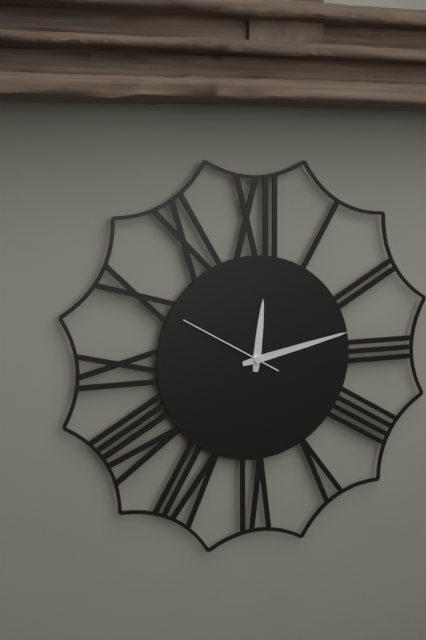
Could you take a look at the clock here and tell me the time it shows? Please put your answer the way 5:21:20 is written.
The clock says 12:13:50
